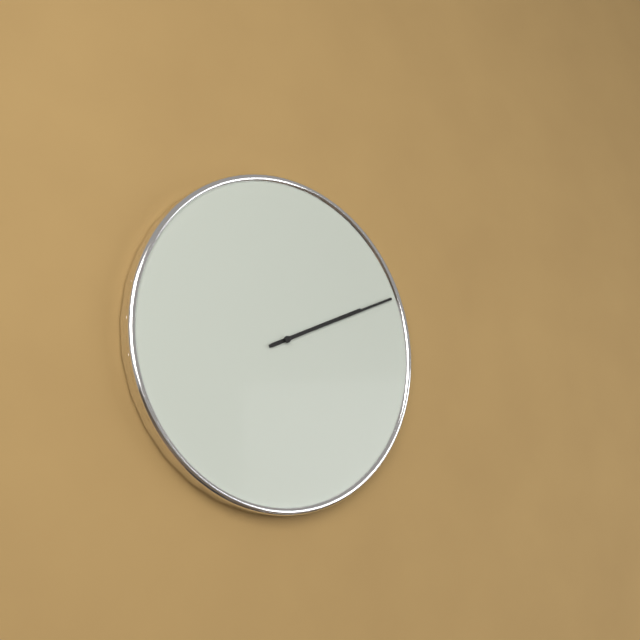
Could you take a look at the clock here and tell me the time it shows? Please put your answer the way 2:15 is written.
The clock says 2:11
